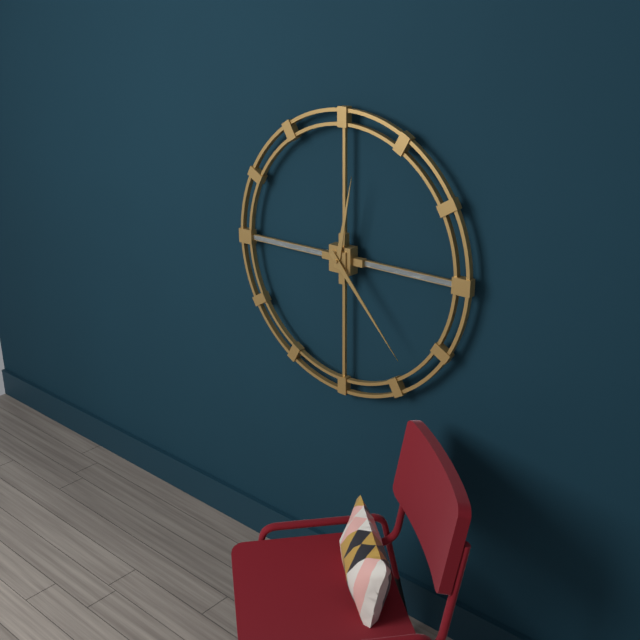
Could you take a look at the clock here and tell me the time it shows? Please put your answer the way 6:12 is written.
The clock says 12:23
